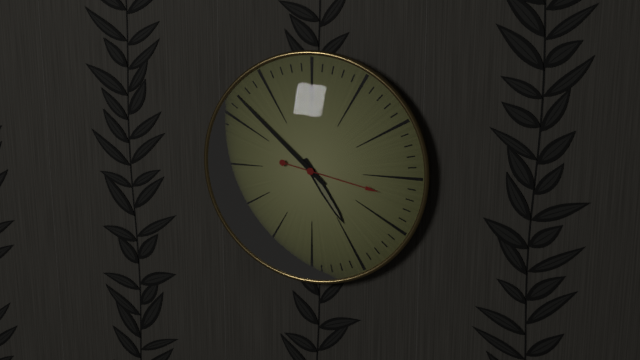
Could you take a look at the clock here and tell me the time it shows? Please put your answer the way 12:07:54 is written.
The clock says 4:52:17
